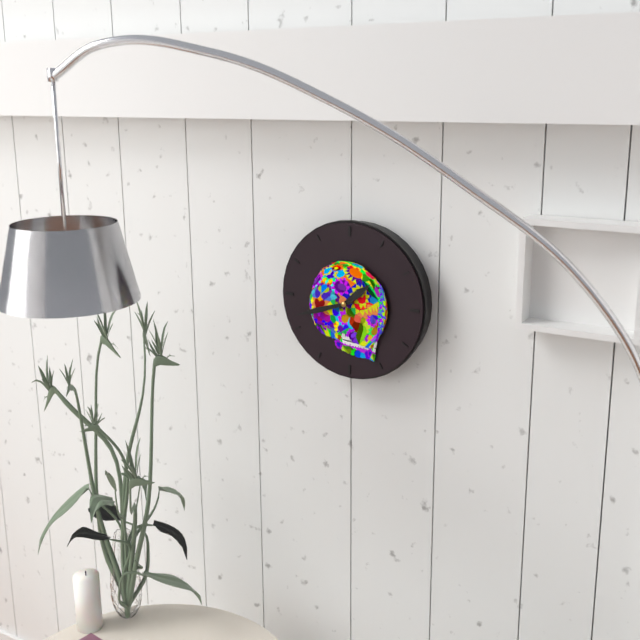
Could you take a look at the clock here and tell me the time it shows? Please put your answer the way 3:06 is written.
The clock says 1:42
